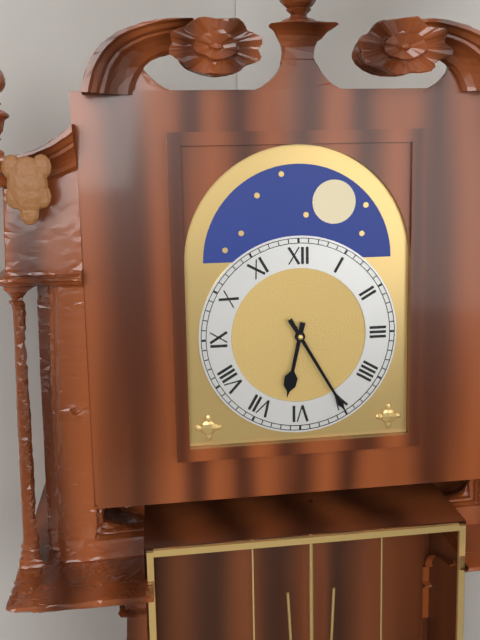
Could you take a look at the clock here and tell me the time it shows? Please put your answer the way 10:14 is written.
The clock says 6:25
